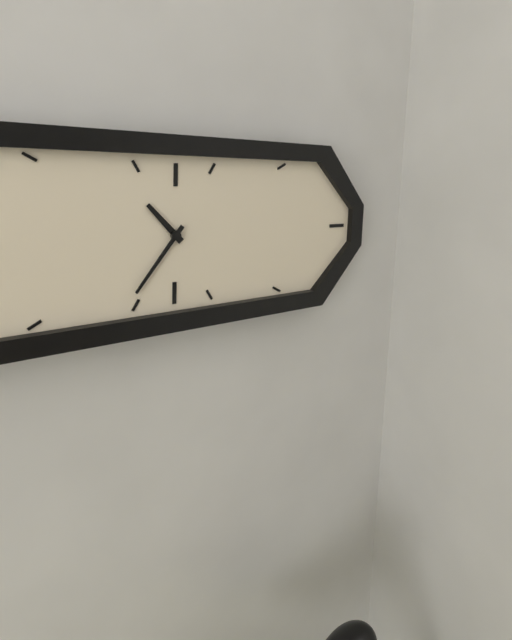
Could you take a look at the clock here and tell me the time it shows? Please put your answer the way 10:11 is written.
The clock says 10:36
